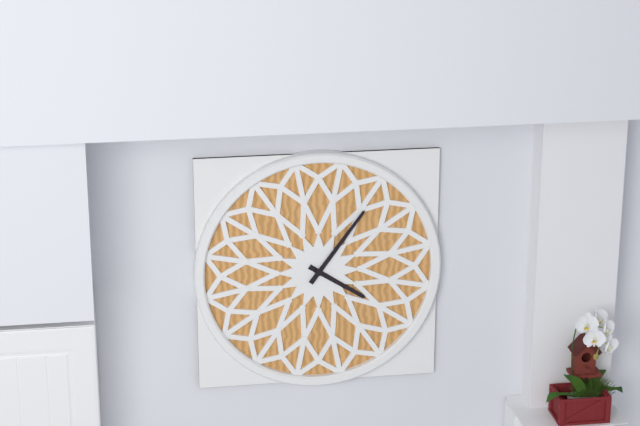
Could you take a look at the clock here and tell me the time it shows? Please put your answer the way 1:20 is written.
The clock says 4:06
